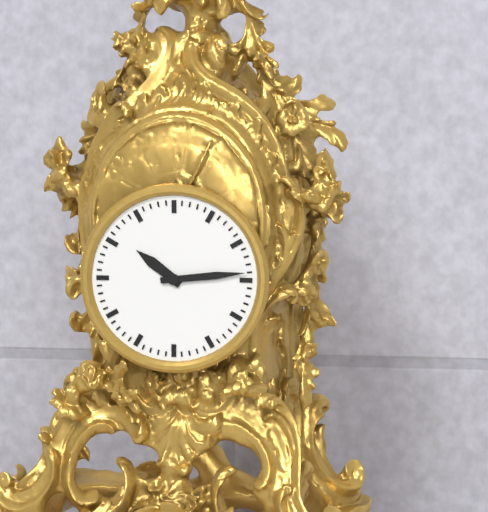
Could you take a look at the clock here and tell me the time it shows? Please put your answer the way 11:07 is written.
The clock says 10:14
